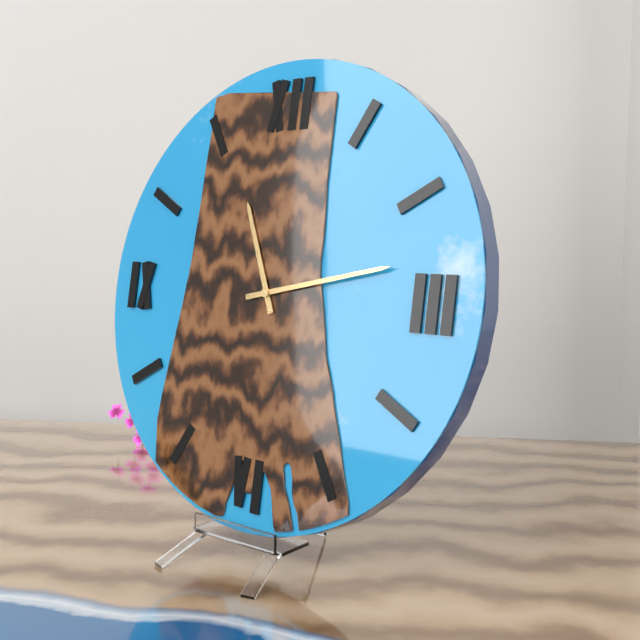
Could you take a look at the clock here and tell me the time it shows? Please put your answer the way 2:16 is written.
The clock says 11:13
